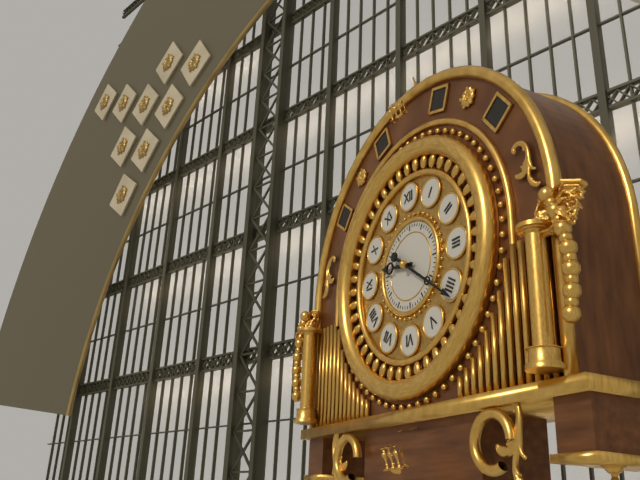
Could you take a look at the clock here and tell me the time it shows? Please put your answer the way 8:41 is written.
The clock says 9:21
